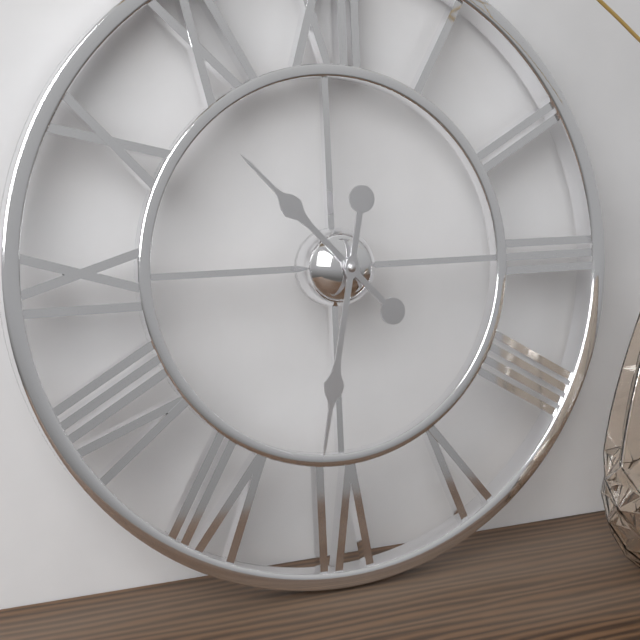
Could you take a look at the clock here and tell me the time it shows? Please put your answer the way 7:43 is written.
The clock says 10:32
